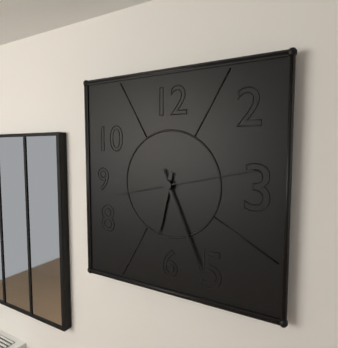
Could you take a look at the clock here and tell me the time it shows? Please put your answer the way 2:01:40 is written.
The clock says 6:26:13
